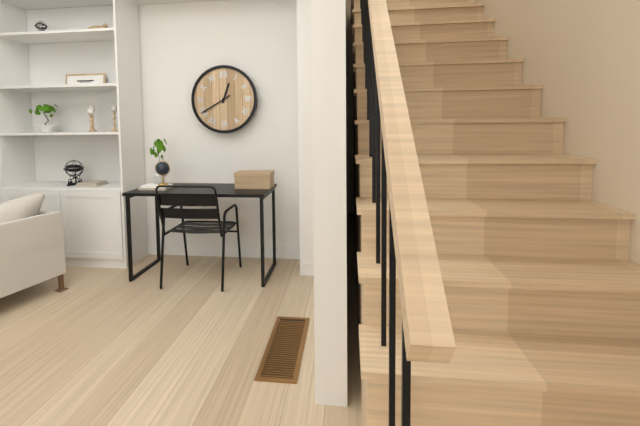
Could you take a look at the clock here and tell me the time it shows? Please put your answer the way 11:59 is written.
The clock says 12:40
